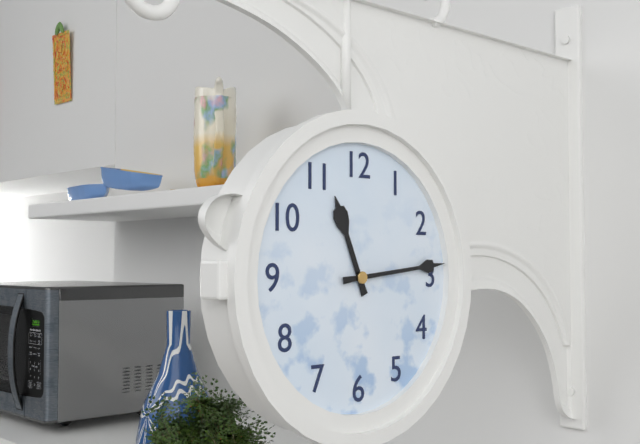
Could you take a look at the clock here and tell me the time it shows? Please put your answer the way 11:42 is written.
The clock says 11:14
